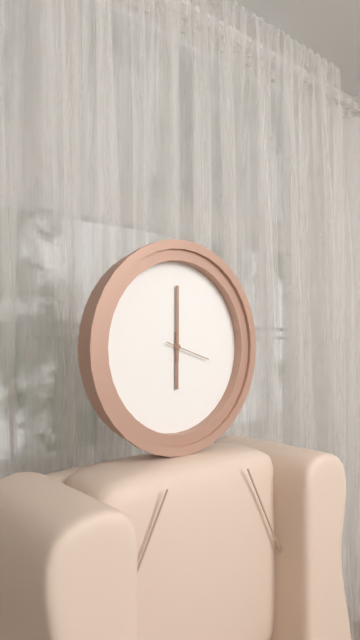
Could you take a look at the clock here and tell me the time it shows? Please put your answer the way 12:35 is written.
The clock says 6:00
